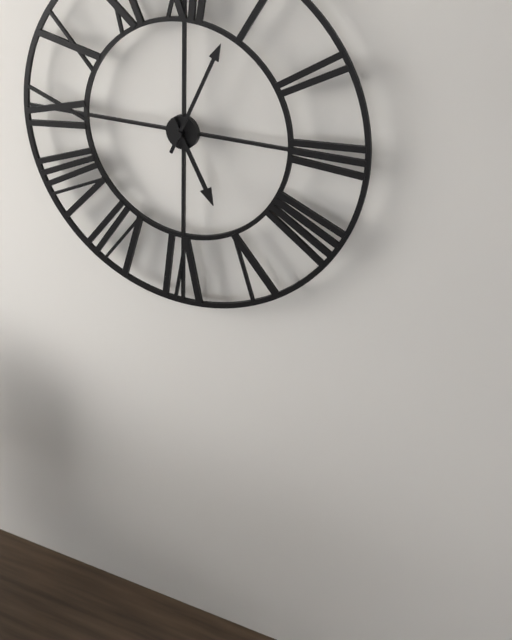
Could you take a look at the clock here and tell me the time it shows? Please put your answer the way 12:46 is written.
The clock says 5:04
